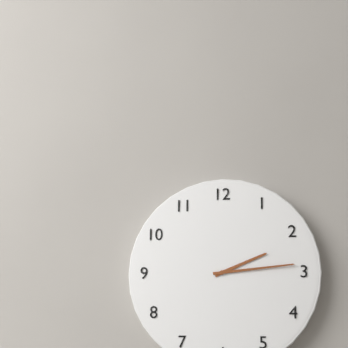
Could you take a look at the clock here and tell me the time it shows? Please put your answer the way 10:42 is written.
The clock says 2:14
